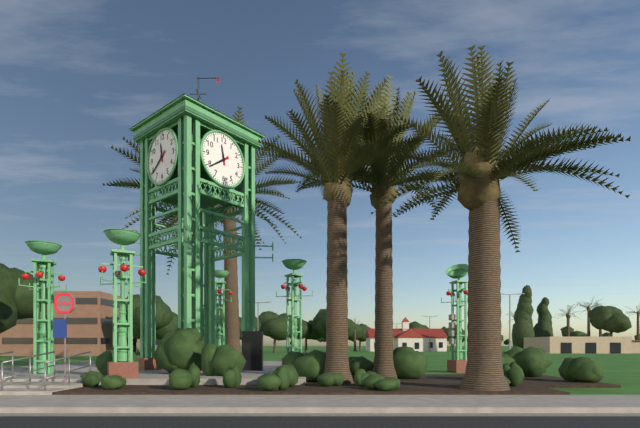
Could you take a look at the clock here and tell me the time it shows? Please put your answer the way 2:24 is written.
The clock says 11:39
